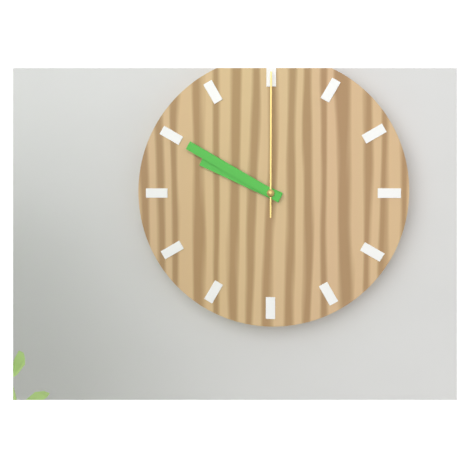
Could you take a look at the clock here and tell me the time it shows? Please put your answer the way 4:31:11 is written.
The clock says 9:50:00
